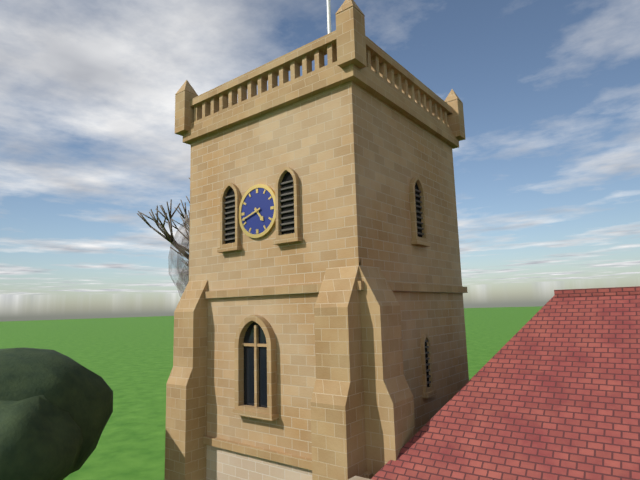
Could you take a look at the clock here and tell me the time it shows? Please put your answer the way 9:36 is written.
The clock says 4:42
